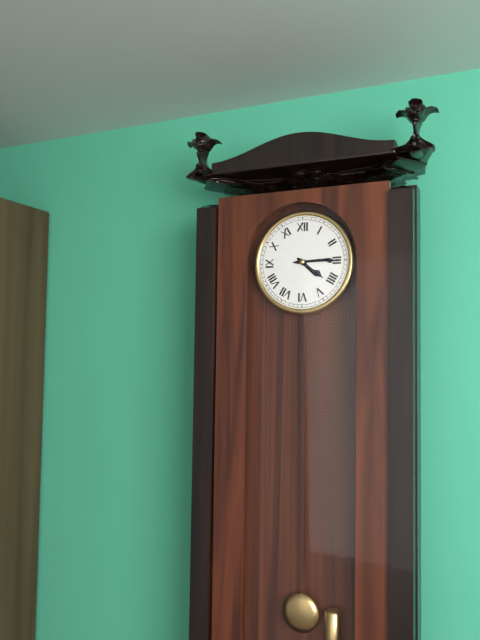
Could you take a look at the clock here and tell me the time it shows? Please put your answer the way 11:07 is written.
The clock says 4:15
